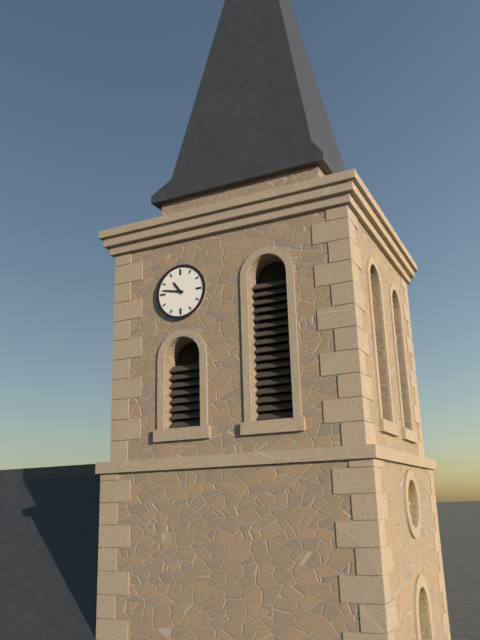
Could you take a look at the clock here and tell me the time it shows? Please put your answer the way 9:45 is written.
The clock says 10:47
